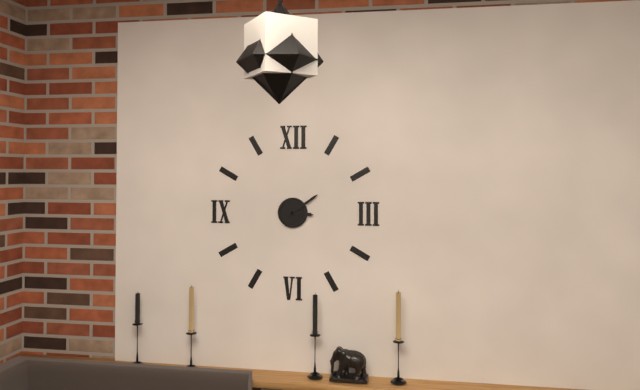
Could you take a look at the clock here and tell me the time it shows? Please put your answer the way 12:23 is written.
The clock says 3:09
